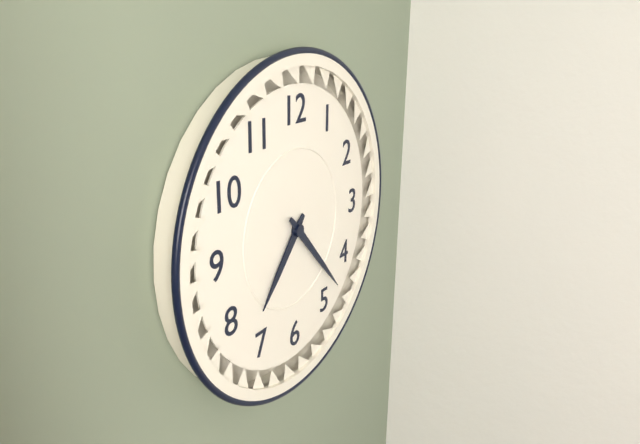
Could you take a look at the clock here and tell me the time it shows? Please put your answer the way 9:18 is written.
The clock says 7:23
